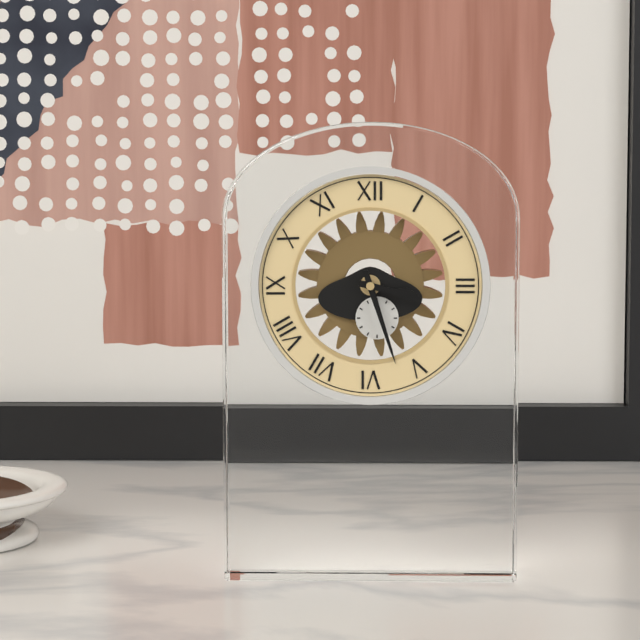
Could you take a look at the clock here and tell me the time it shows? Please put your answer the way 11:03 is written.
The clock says 3:27
